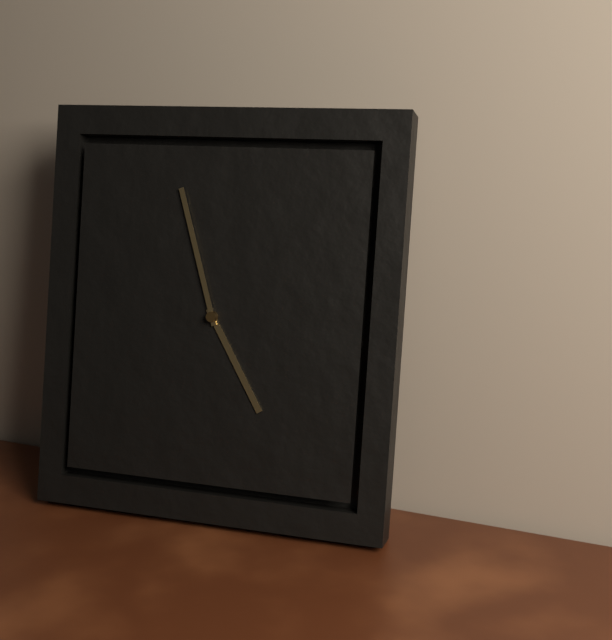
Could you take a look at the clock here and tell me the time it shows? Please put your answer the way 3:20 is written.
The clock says 4:57
